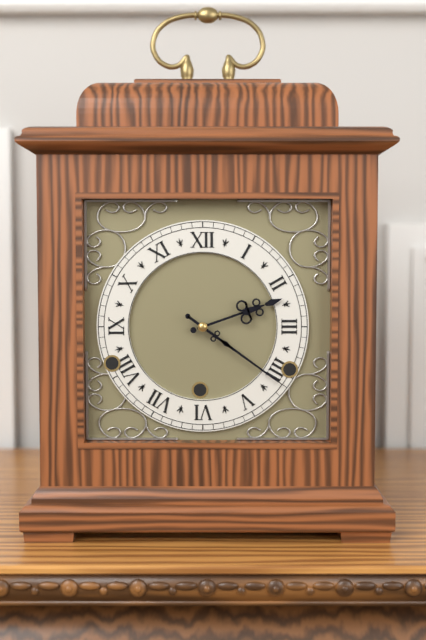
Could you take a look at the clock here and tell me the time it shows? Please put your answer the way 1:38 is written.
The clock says 2:21
